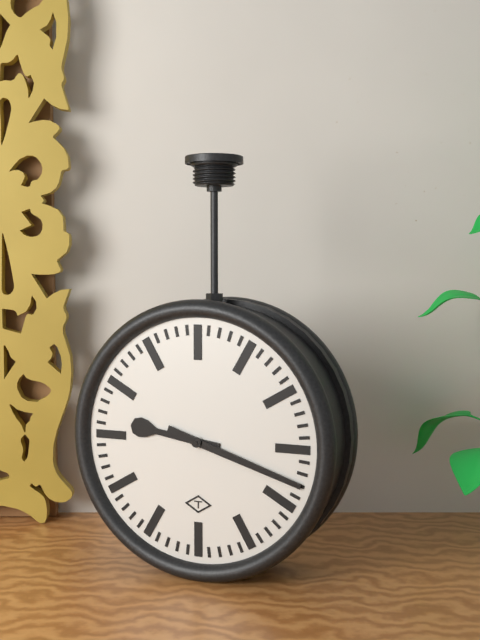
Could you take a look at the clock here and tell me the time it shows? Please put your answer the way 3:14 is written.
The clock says 9:18
